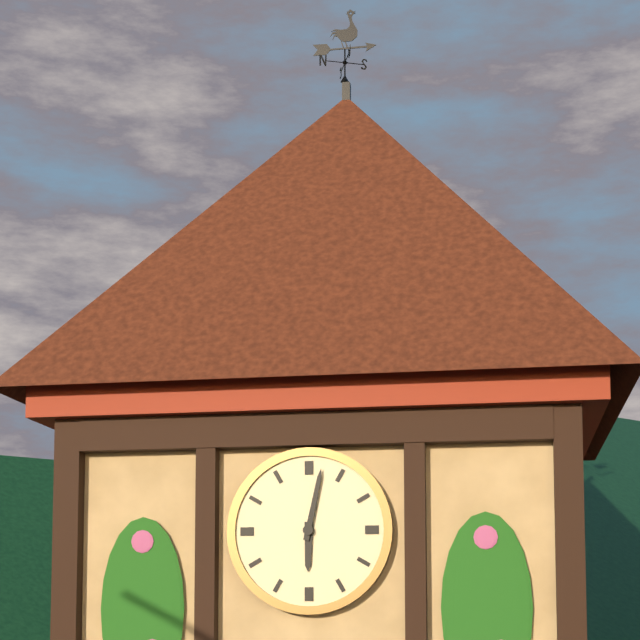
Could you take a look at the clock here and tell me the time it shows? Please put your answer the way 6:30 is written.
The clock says 6:02
